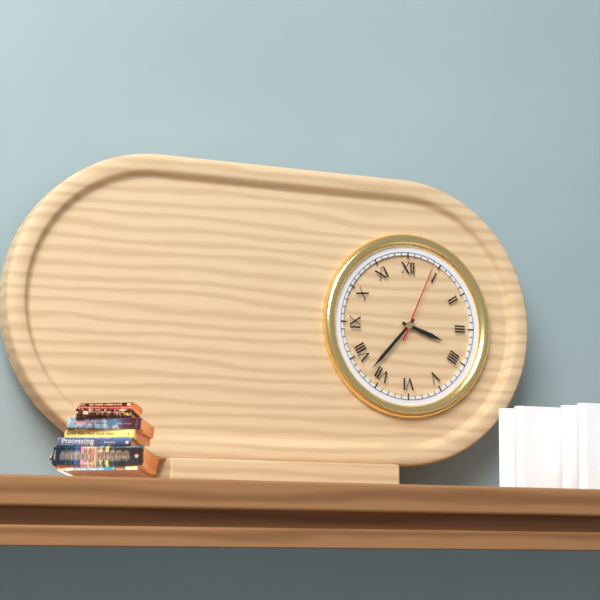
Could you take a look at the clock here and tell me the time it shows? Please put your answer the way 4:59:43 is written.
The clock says 3:37:04
